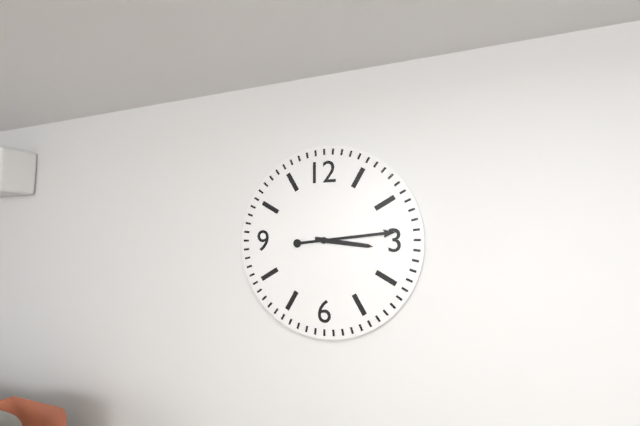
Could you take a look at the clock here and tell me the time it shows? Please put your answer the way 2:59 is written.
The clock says 3:14
